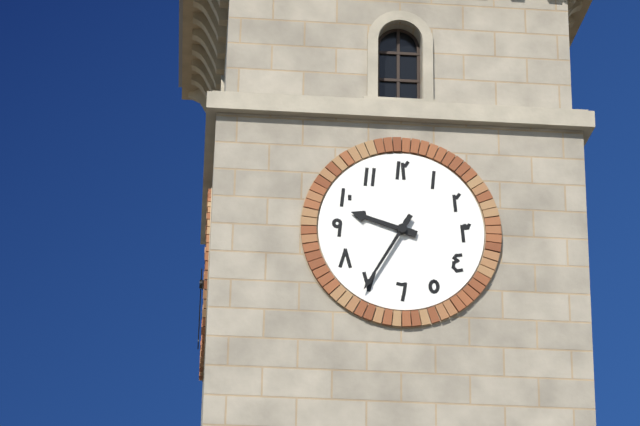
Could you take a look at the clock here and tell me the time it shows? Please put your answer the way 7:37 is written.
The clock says 9:35
